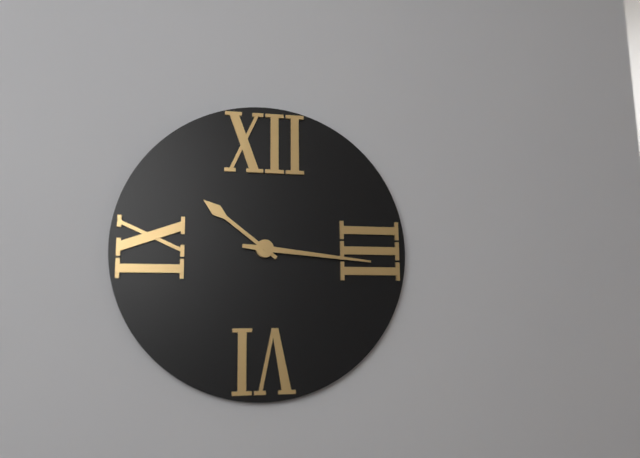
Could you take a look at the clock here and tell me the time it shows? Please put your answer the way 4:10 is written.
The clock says 10:16
